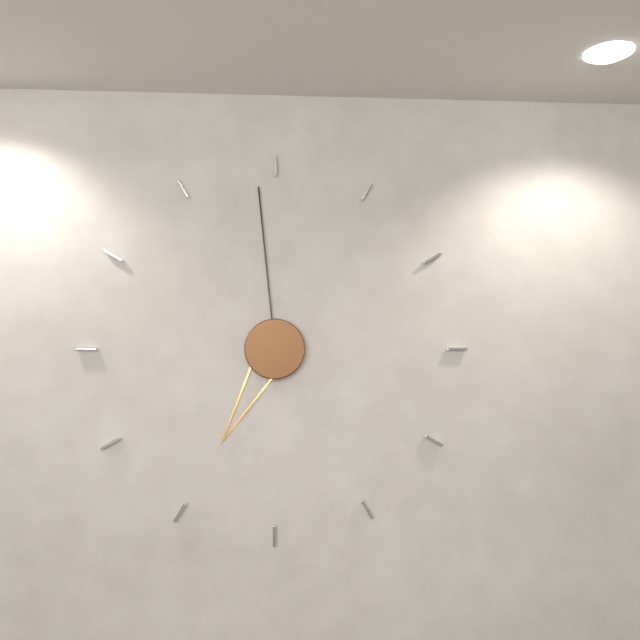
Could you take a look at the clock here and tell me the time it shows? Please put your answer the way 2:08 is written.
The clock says 6:59
